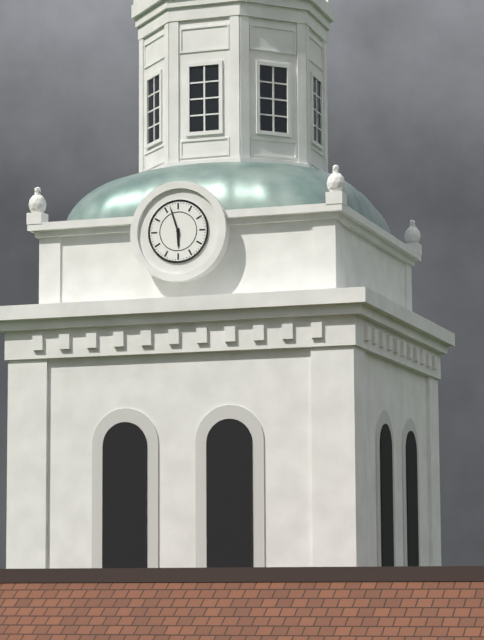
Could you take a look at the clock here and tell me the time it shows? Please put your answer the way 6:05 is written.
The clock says 5:57
